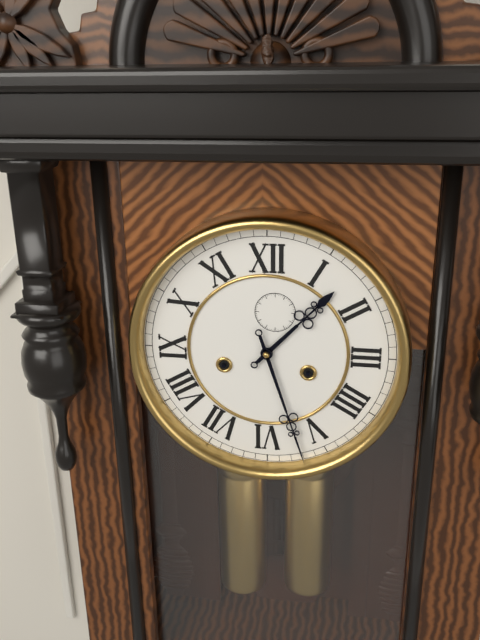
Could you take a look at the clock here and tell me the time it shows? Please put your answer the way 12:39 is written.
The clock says 1:27
